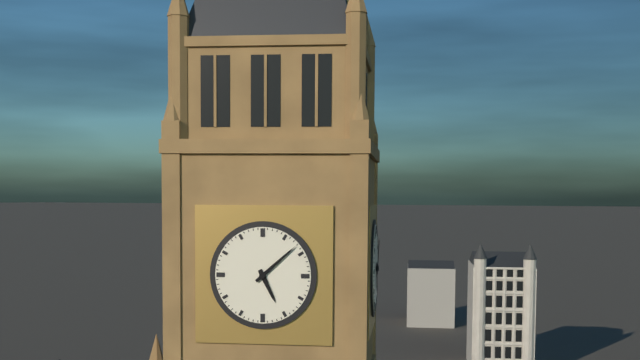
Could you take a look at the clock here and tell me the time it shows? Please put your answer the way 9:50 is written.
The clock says 5:08
